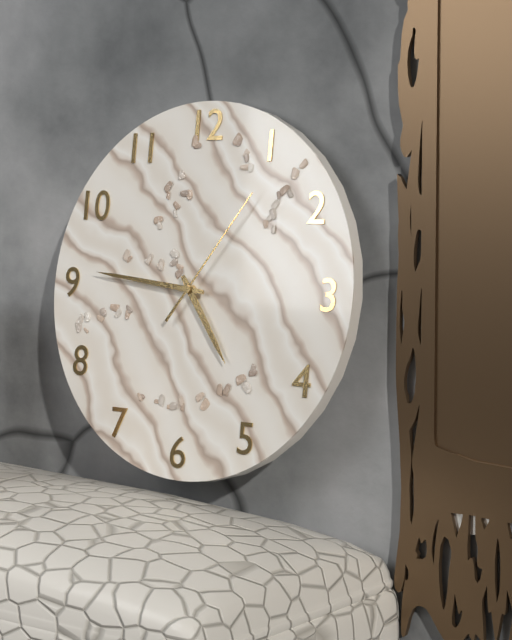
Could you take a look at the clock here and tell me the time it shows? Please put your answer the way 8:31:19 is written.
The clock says 4:46:06
